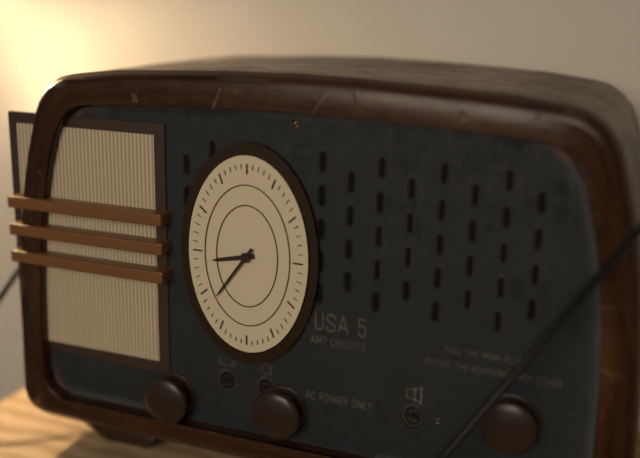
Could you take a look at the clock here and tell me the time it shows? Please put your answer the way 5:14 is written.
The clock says 8:36
